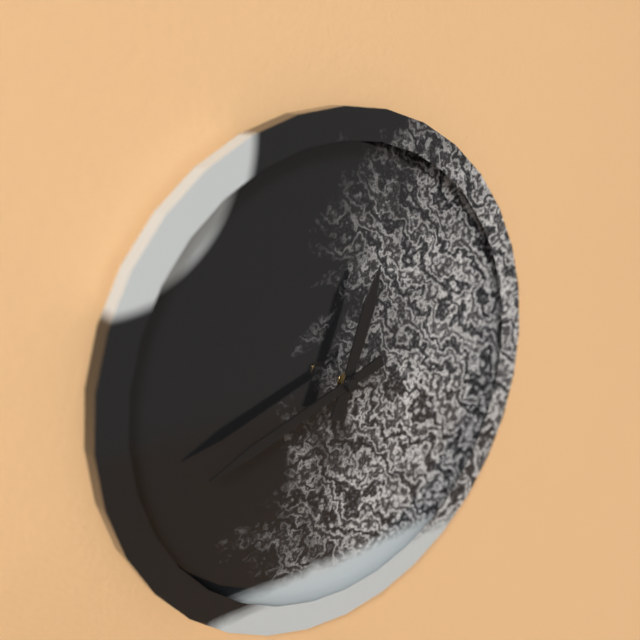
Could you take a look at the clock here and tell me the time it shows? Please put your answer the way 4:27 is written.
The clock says 12:42
